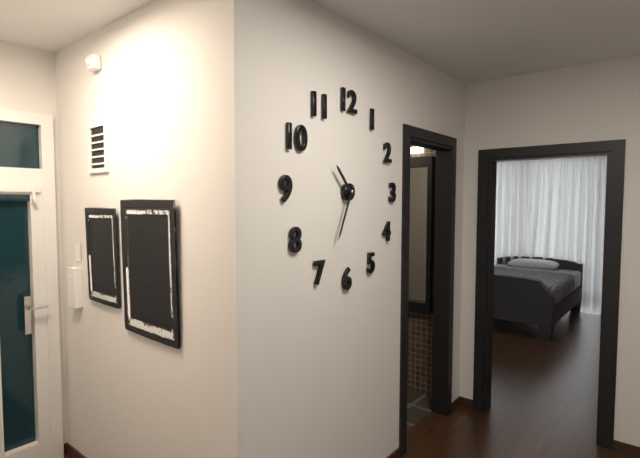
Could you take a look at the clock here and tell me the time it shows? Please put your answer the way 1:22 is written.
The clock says 10:34
